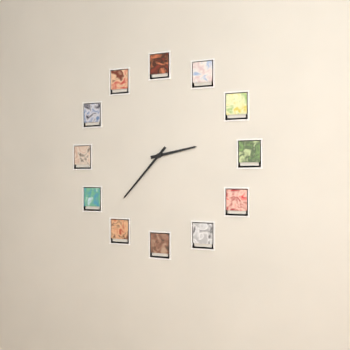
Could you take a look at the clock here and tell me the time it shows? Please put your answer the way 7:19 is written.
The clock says 2:37
